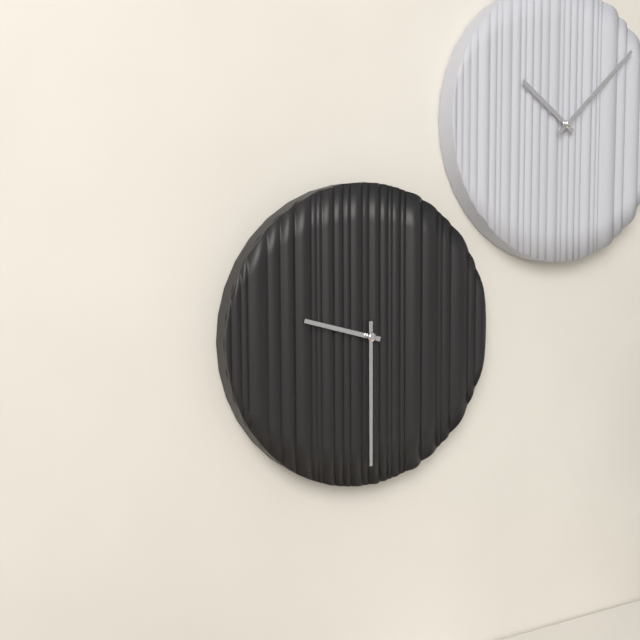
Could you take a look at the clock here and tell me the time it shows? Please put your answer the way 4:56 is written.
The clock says 9:30
